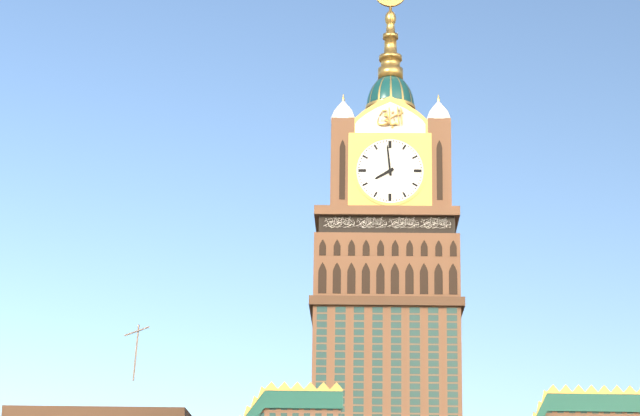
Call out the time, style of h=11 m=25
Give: h=7 m=59
